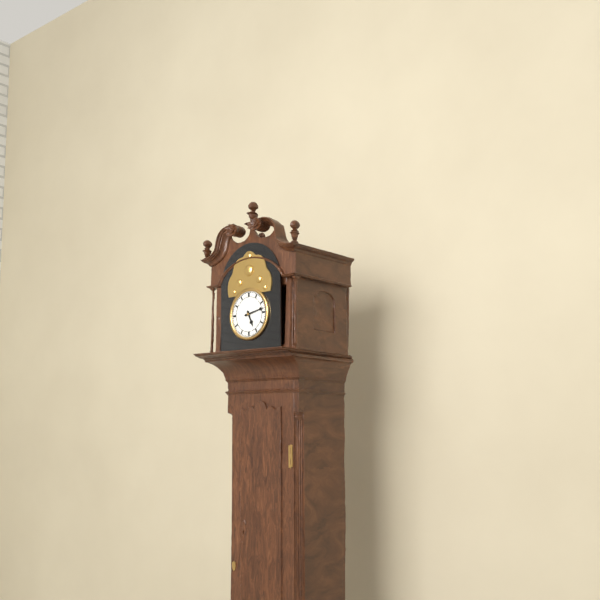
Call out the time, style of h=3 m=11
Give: h=5 m=13
